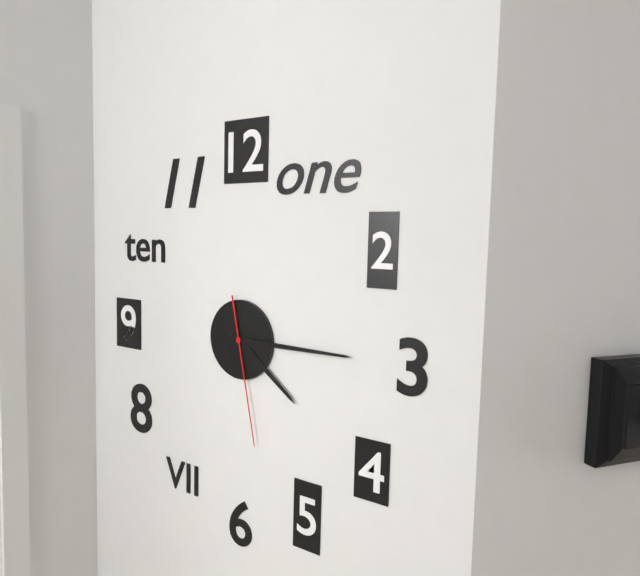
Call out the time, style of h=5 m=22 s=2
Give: h=4 m=15 s=28
